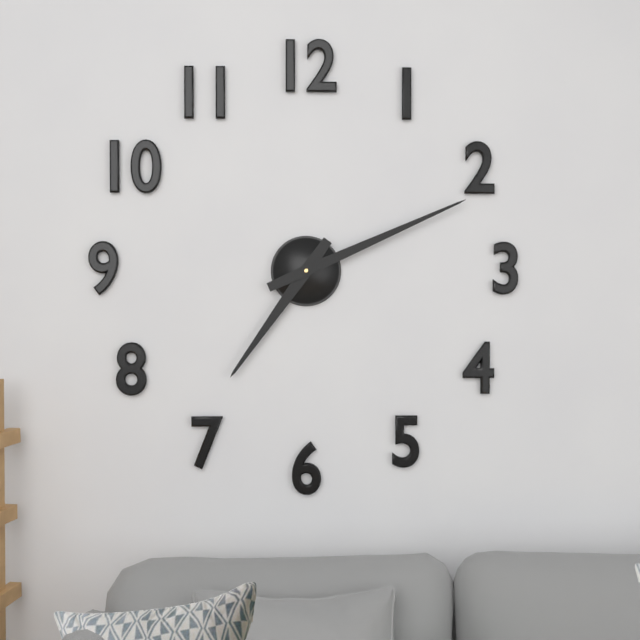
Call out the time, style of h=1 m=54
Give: h=7 m=11
